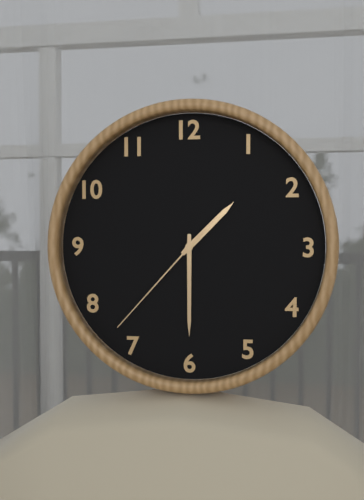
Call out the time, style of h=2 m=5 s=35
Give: h=1 m=30 s=37
